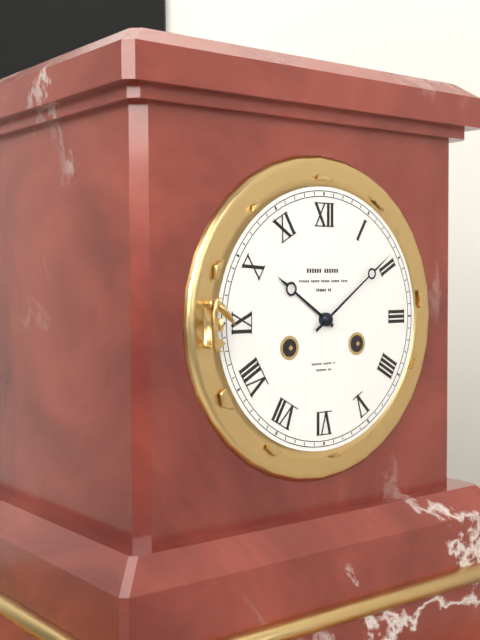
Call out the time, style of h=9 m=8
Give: h=10 m=9
